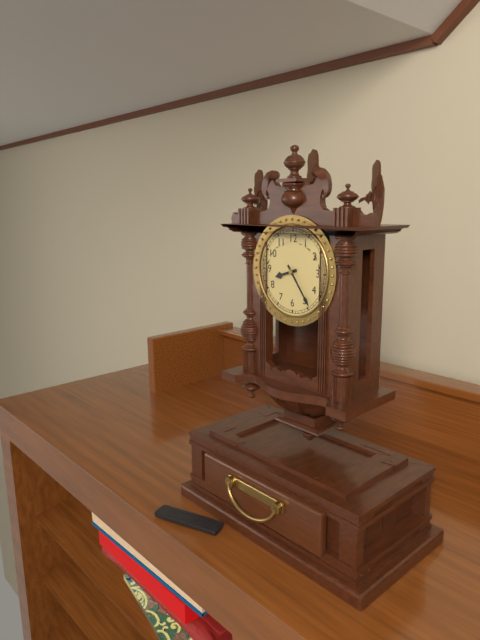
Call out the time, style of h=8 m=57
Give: h=8 m=24
